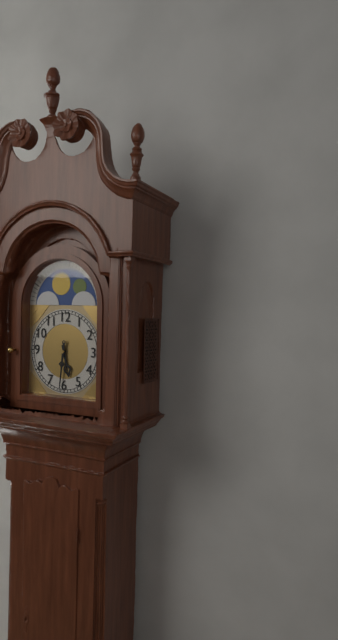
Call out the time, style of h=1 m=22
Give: h=5 m=31
